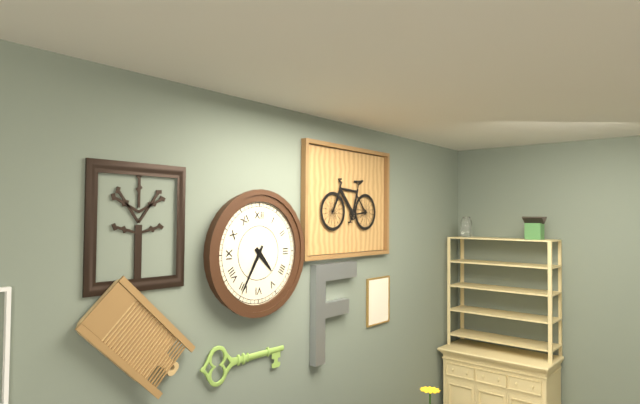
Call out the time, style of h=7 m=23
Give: h=4 m=35
